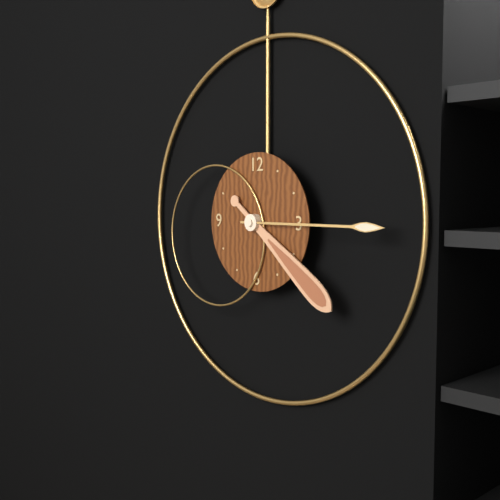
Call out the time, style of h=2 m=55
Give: h=4 m=15
